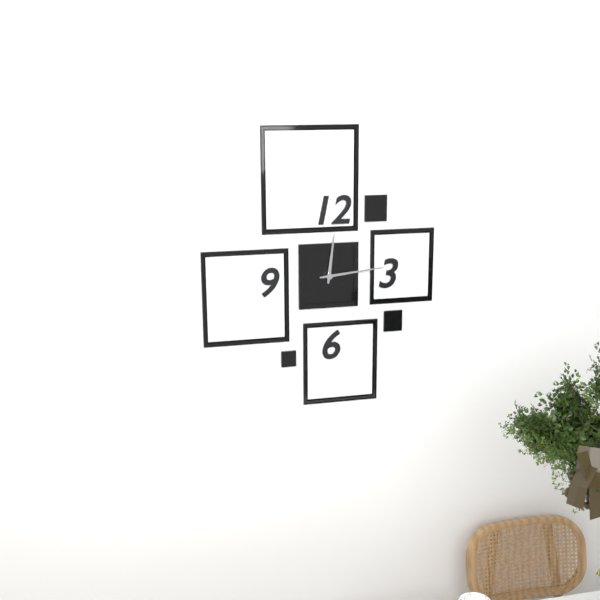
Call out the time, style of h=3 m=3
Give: h=12 m=14
